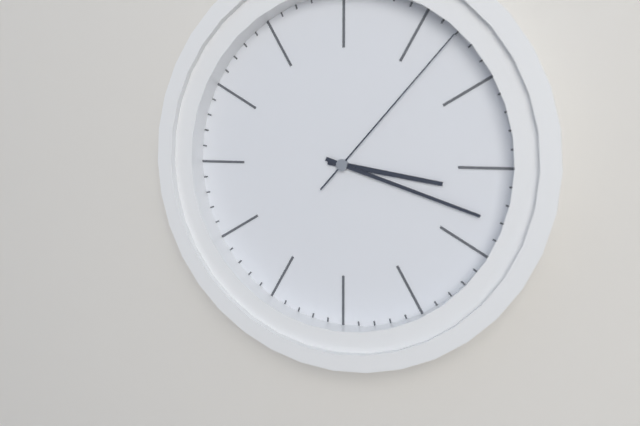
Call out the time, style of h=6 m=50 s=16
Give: h=3 m=18 s=7
